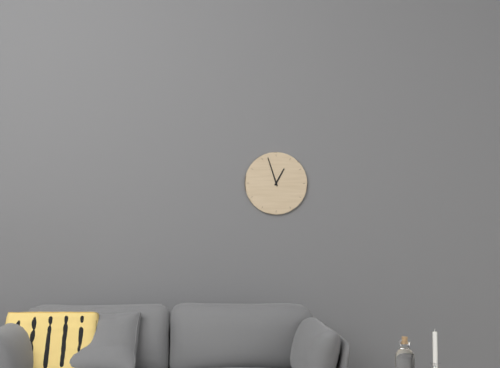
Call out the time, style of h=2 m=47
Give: h=12 m=57
